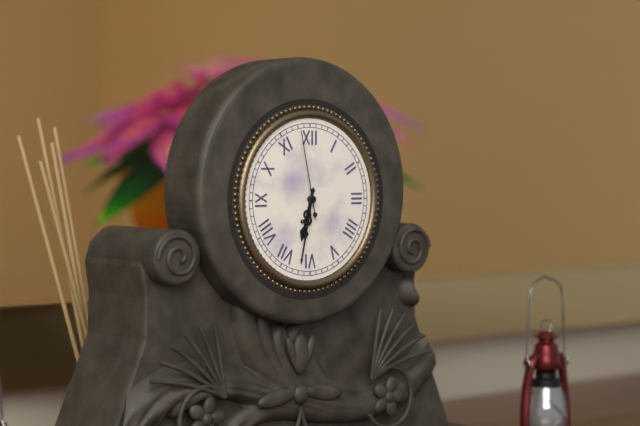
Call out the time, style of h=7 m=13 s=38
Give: h=6 m=32 s=58
